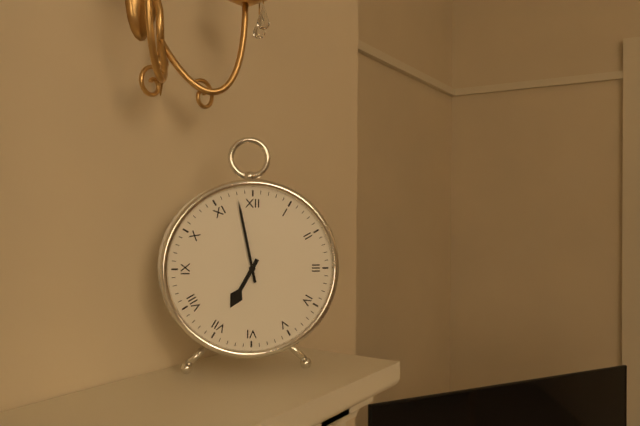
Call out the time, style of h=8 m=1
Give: h=6 m=58
